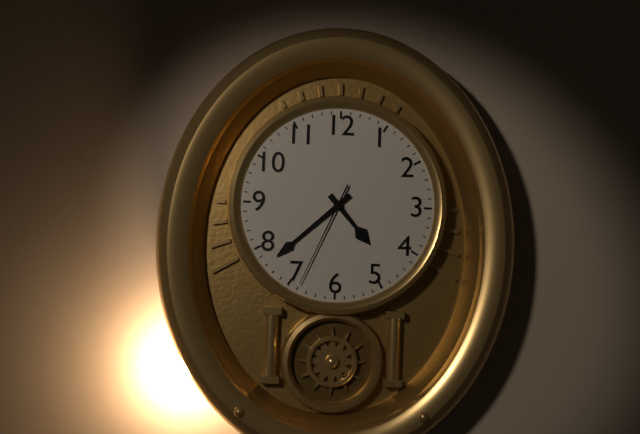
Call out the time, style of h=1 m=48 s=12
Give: h=4 m=38 s=34
